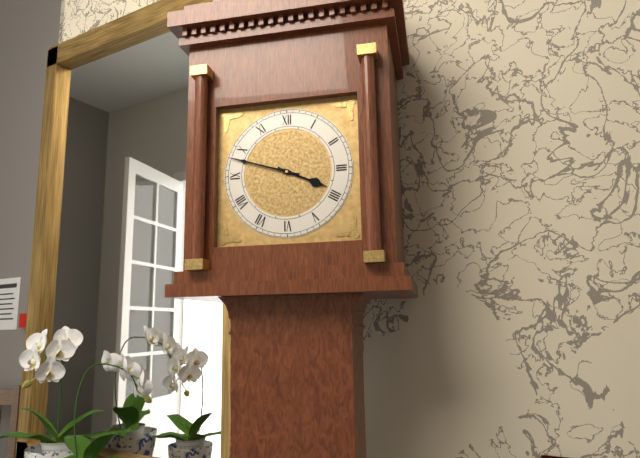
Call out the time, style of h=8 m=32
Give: h=3 m=48
